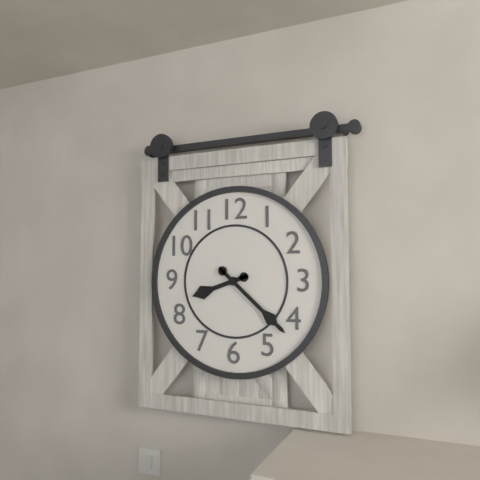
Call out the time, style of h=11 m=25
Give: h=8 m=22
